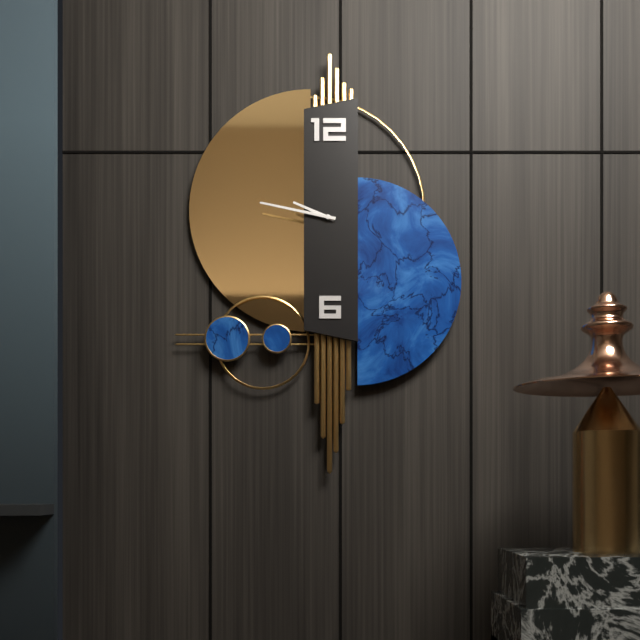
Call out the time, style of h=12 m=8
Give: h=9 m=47
